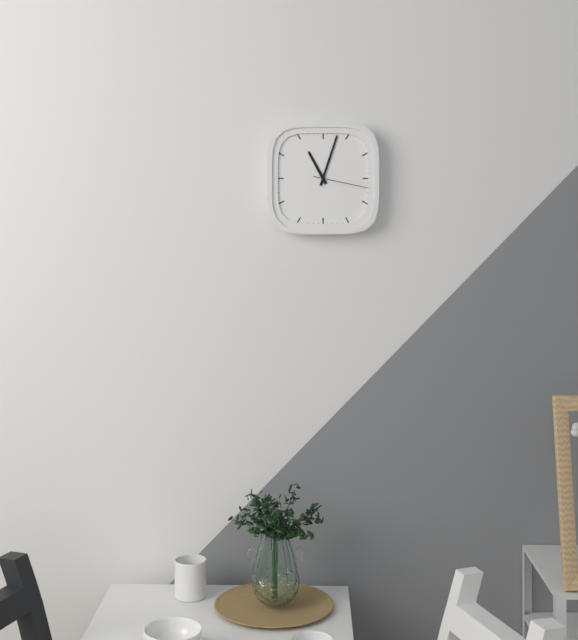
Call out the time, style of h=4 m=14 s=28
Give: h=11 m=3 s=17
